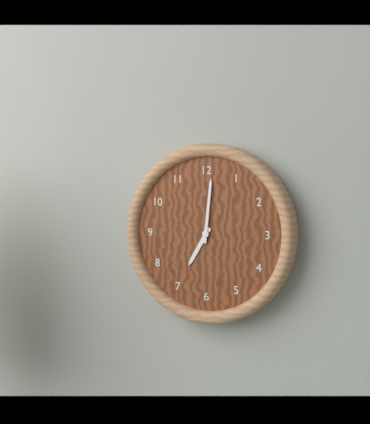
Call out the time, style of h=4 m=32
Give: h=7 m=1
